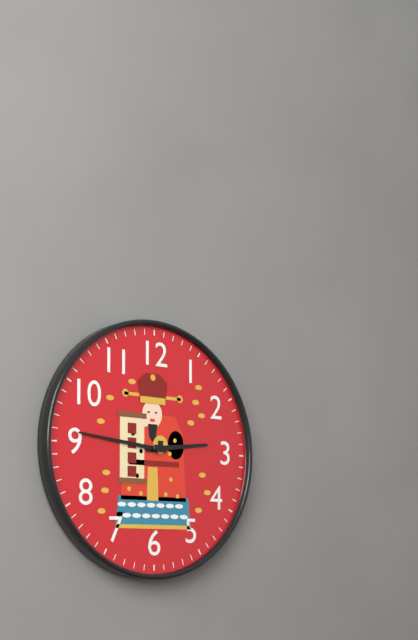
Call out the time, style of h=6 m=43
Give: h=2 m=46
